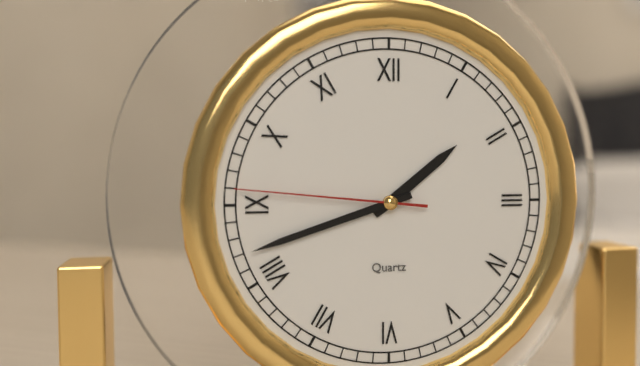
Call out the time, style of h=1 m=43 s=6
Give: h=1 m=42 s=46
